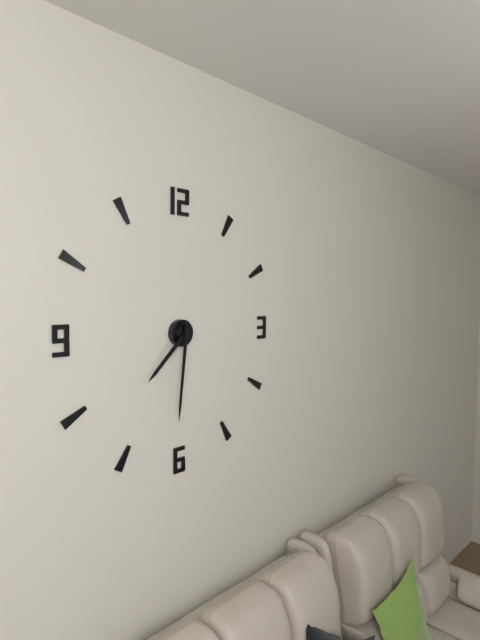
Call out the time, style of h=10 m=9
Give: h=7 m=31
